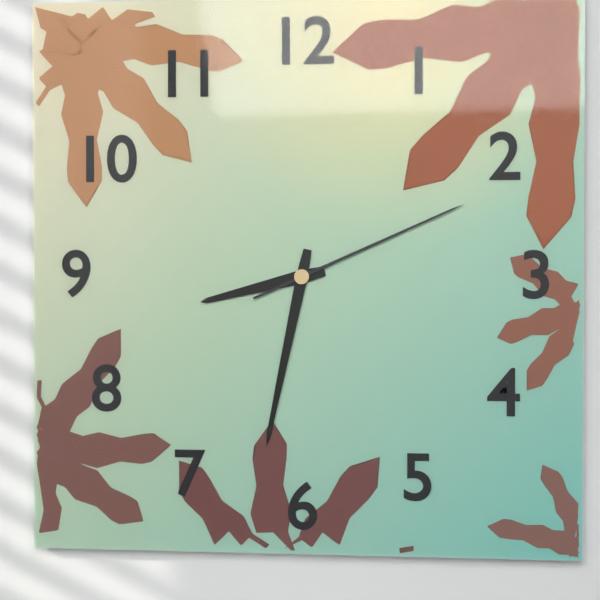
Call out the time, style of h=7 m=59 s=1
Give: h=8 m=32 s=11
